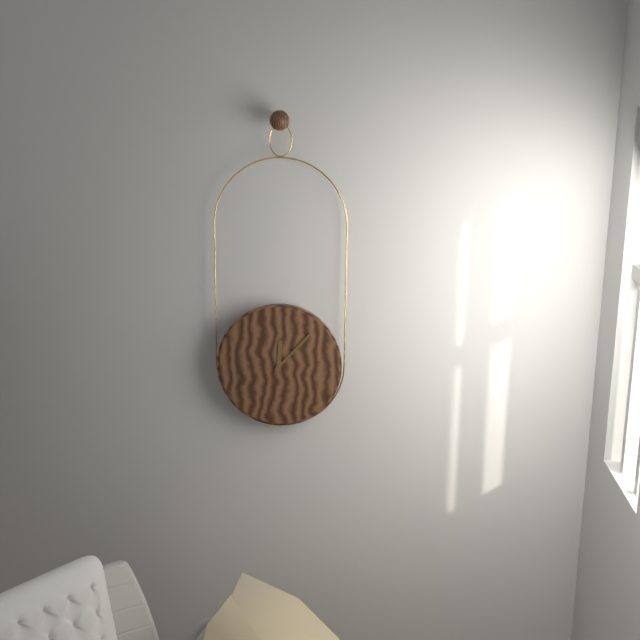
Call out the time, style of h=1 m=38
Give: h=12 m=7
